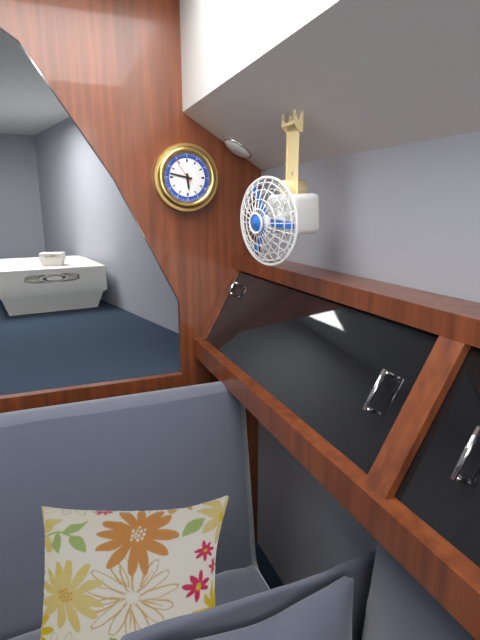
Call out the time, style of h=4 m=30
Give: h=5 m=47
